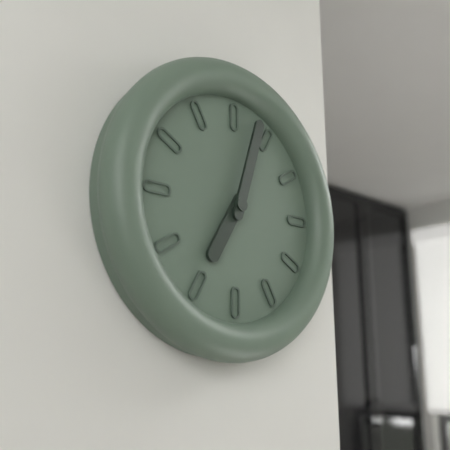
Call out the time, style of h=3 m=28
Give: h=7 m=3
